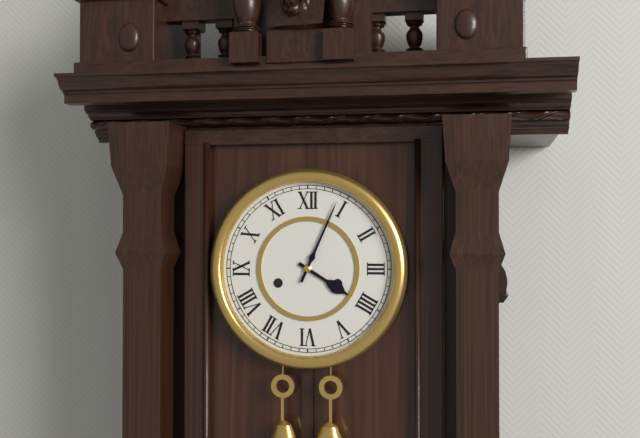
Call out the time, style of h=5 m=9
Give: h=4 m=4
